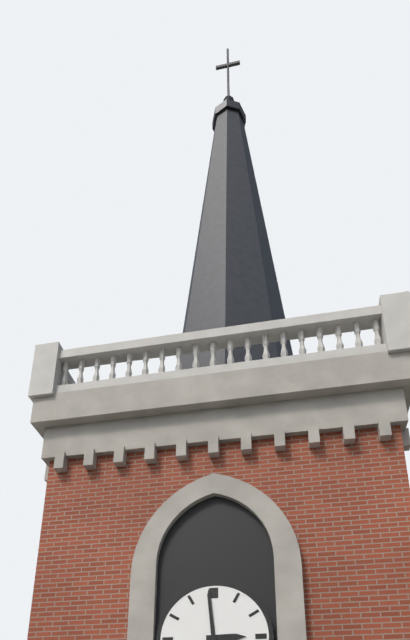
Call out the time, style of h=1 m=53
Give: h=2 m=59
